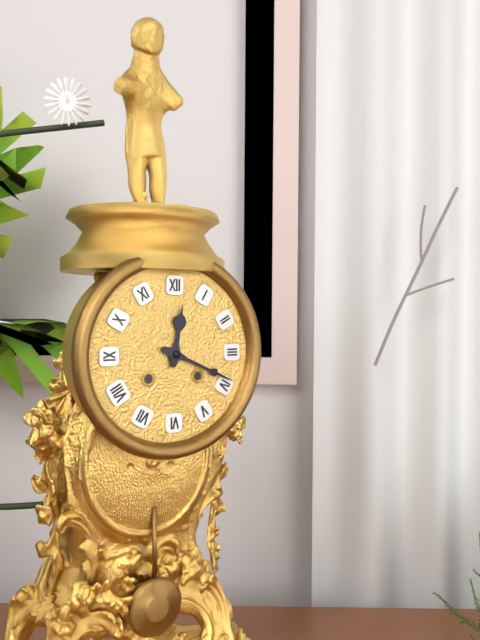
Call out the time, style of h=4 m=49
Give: h=12 m=19
